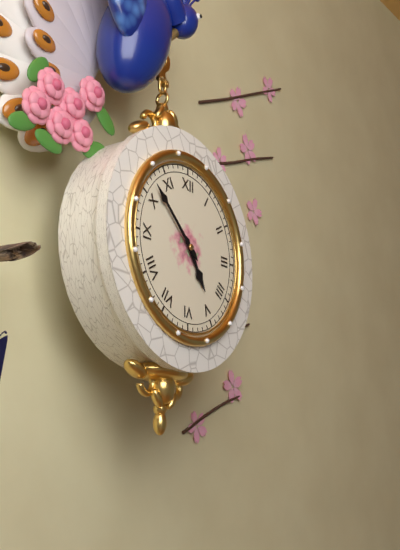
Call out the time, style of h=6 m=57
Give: h=4 m=52
